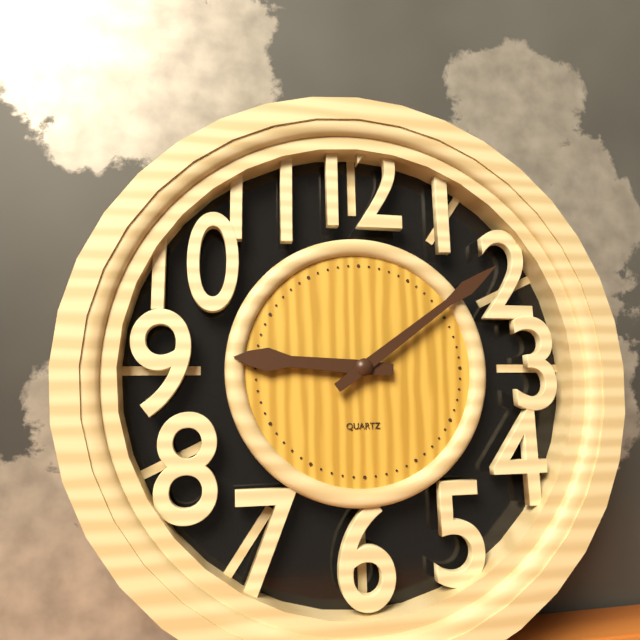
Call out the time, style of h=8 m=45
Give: h=9 m=9
